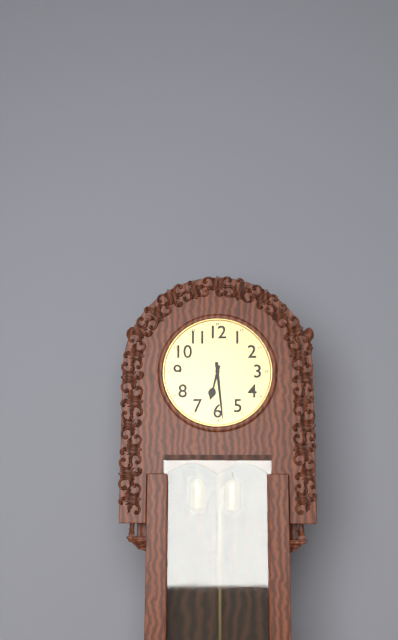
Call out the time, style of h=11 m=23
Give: h=6 m=29
